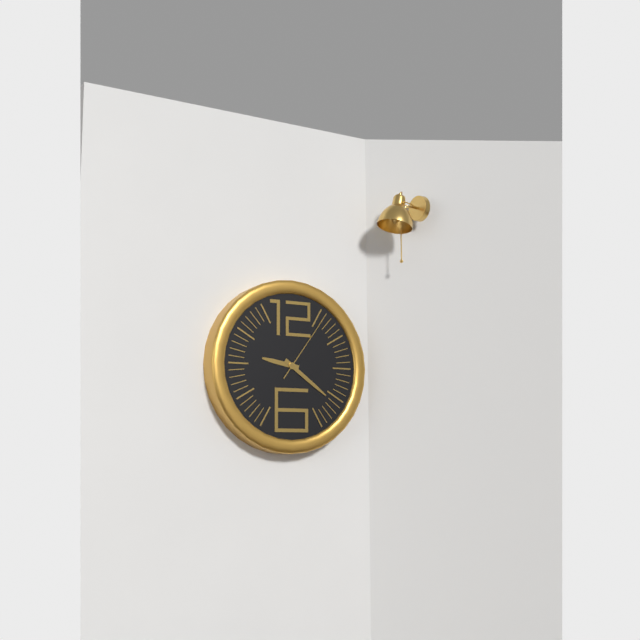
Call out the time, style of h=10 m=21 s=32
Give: h=9 m=21 s=6
